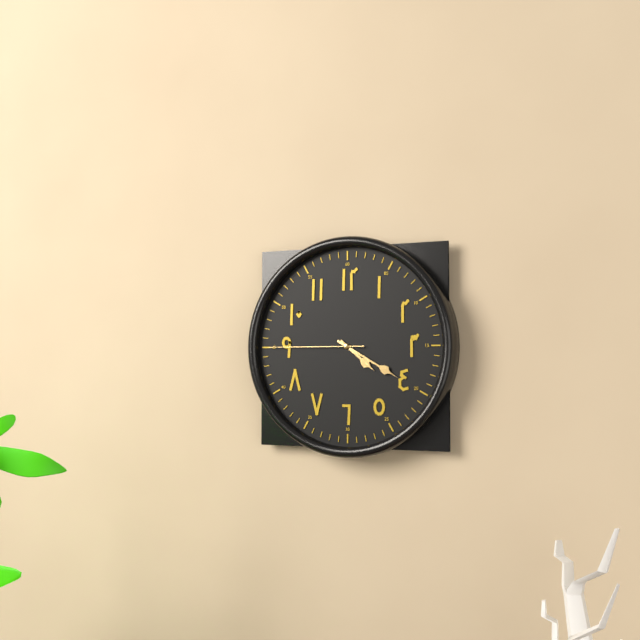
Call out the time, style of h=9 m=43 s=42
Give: h=4 m=20 s=45
